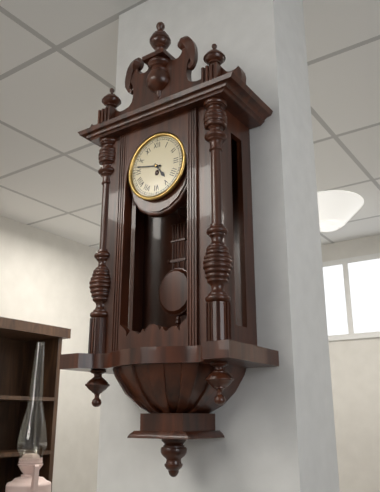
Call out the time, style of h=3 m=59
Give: h=4 m=47
